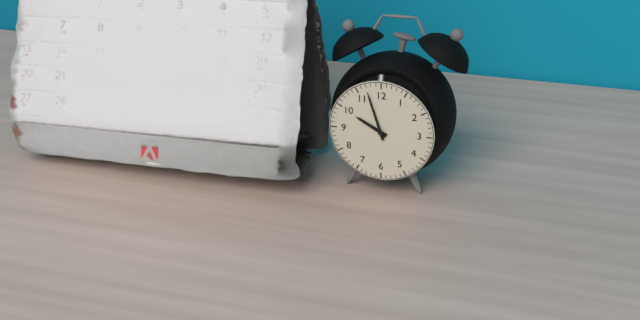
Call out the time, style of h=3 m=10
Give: h=9 m=57
